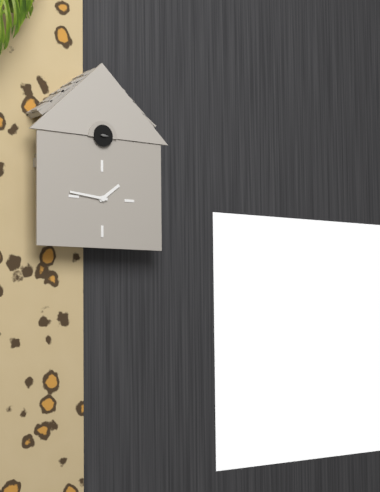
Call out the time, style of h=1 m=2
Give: h=1 m=46
